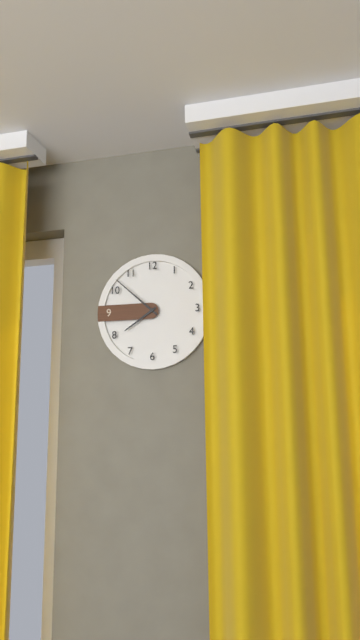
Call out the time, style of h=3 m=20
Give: h=7 m=52
